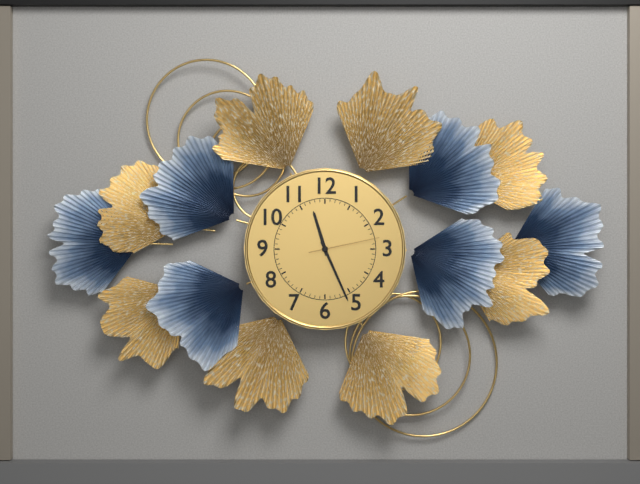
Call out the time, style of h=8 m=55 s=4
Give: h=11 m=26 s=13
